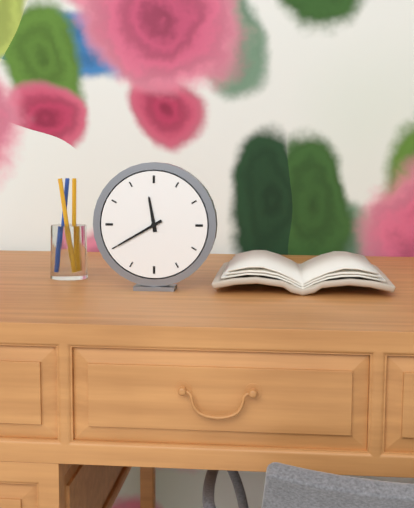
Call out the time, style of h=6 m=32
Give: h=11 m=40
